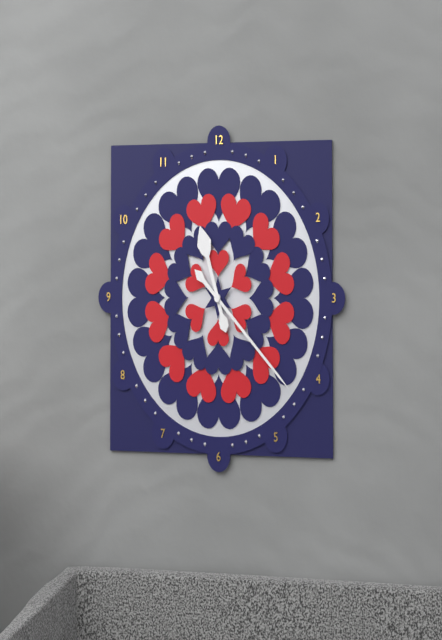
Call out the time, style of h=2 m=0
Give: h=11 m=22
